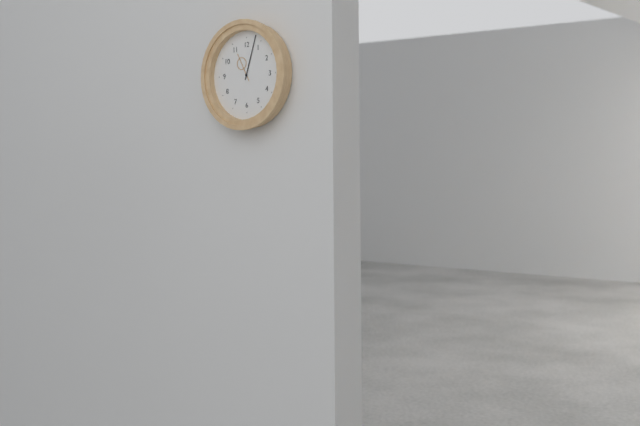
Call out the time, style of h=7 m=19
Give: h=11 m=3
